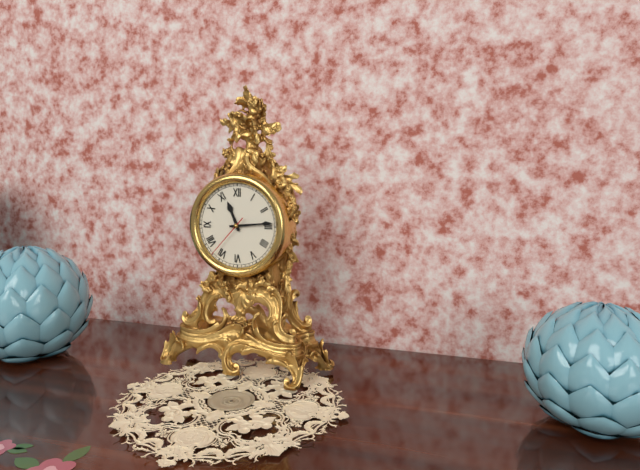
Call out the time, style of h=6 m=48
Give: h=11 m=14
